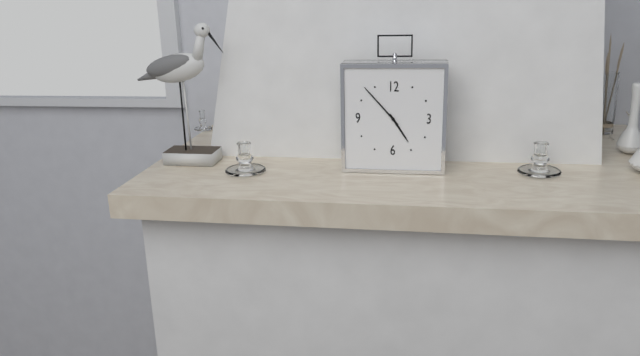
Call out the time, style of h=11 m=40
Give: h=4 m=53
